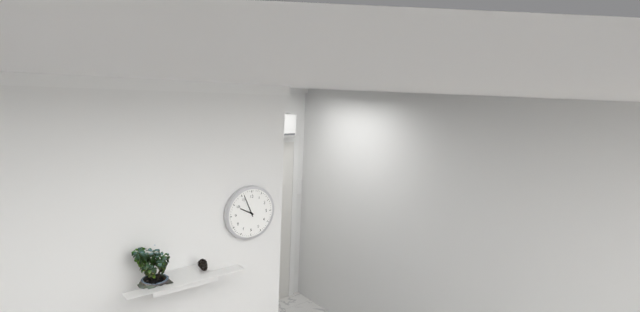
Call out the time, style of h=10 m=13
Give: h=9 m=56
